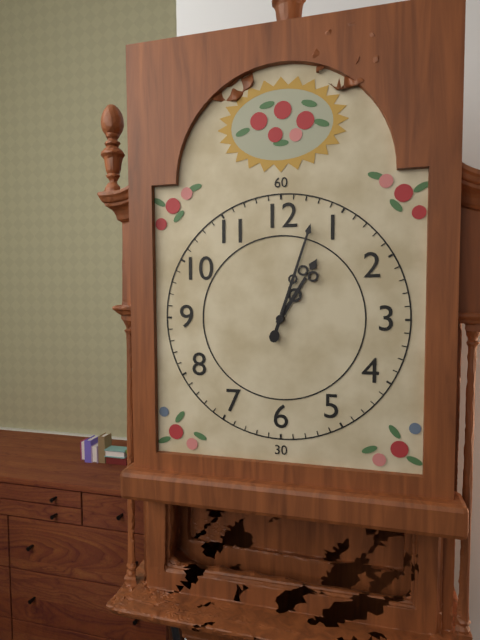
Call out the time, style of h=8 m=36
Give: h=1 m=3
